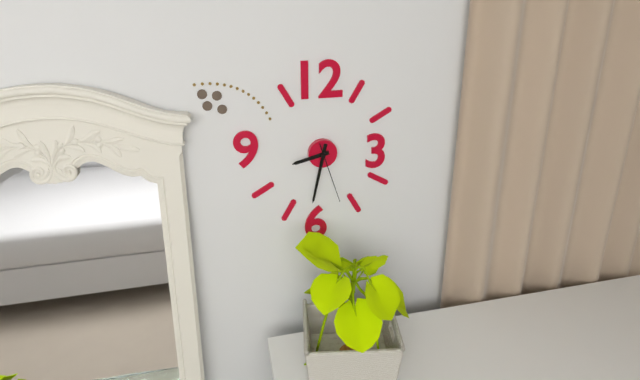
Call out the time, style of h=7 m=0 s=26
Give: h=8 m=32 s=27
